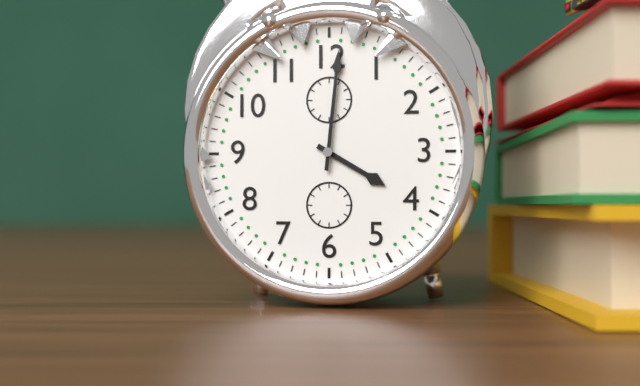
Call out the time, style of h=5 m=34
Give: h=4 m=1
